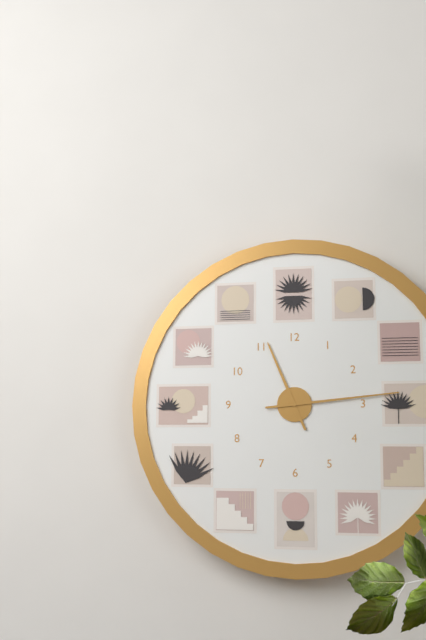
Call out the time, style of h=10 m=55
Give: h=11 m=14
